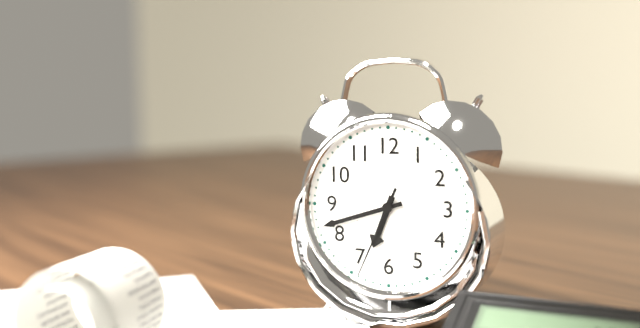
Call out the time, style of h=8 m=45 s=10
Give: h=6 m=42 s=34
